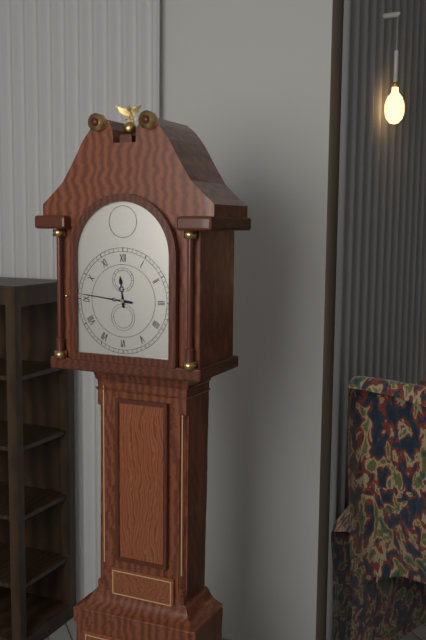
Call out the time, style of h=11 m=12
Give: h=11 m=46
